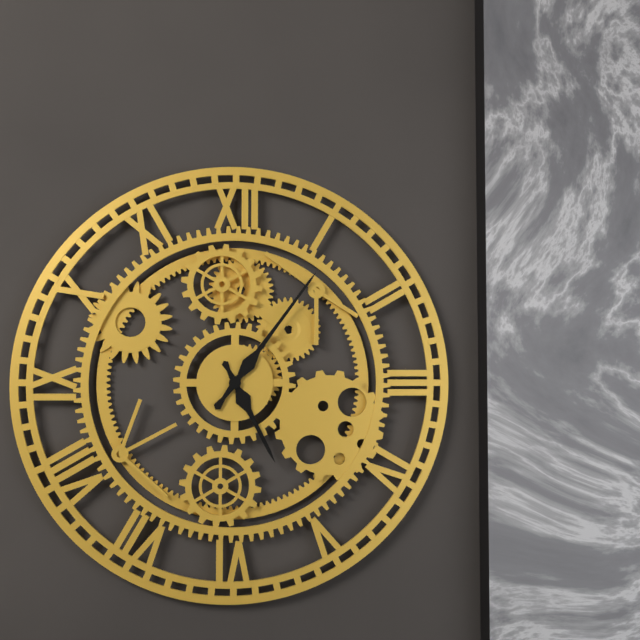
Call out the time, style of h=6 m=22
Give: h=5 m=6
